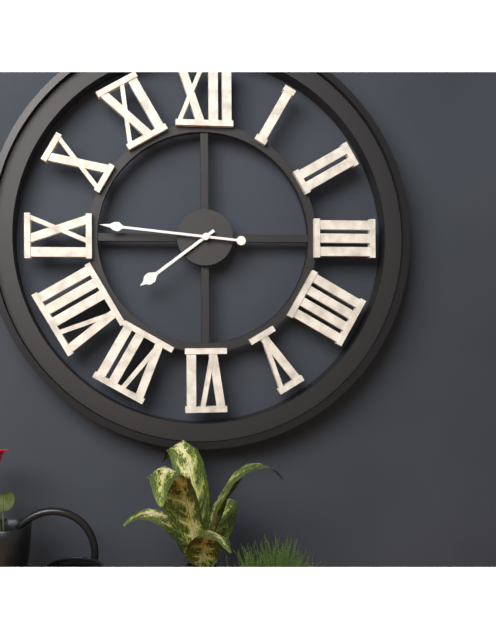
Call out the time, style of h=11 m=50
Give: h=7 m=46
